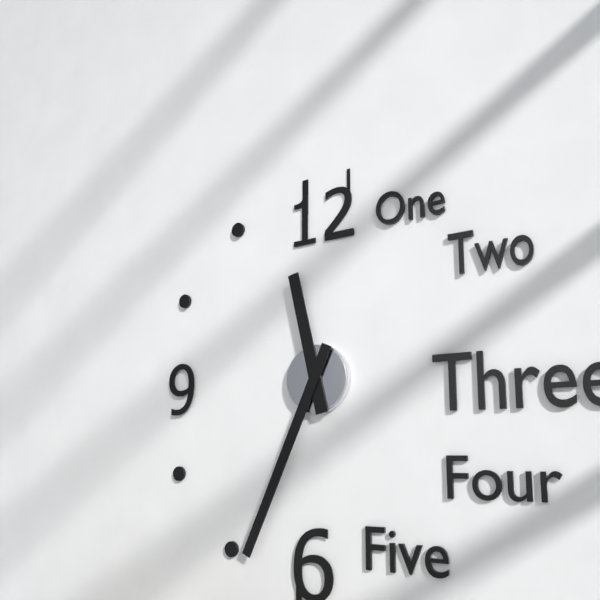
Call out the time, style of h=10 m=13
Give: h=11 m=34
